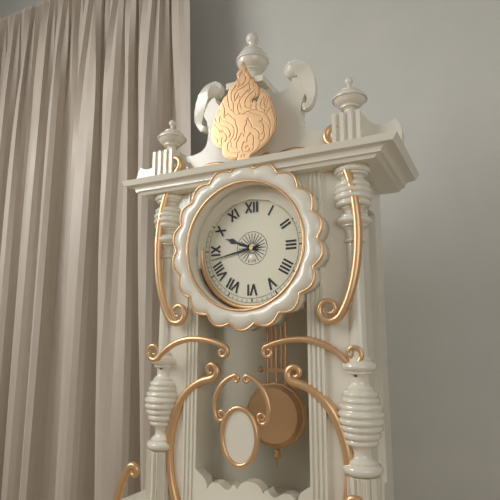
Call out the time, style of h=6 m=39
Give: h=9 m=43
